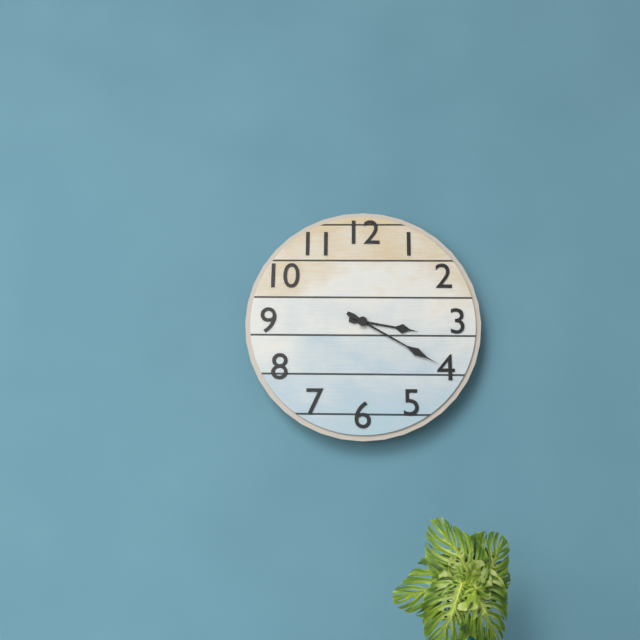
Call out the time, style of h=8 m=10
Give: h=3 m=20
